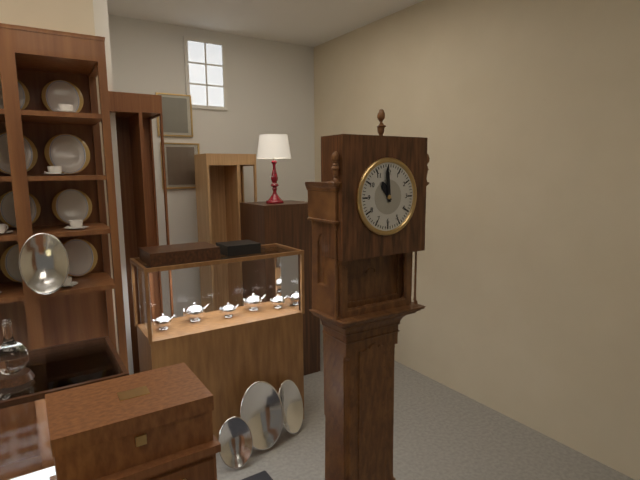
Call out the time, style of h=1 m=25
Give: h=10 m=59
